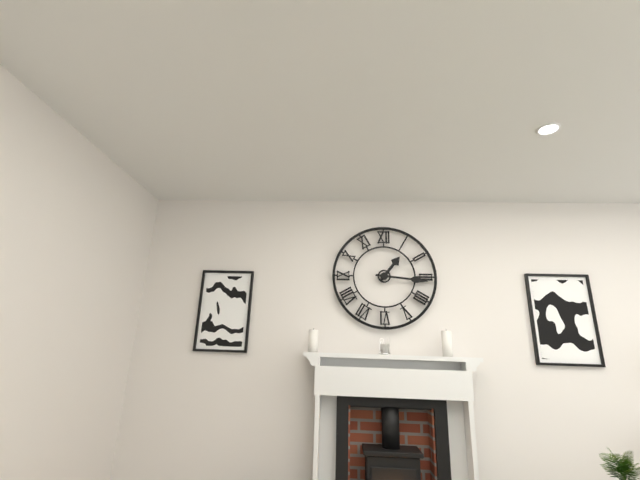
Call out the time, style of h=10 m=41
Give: h=1 m=16
